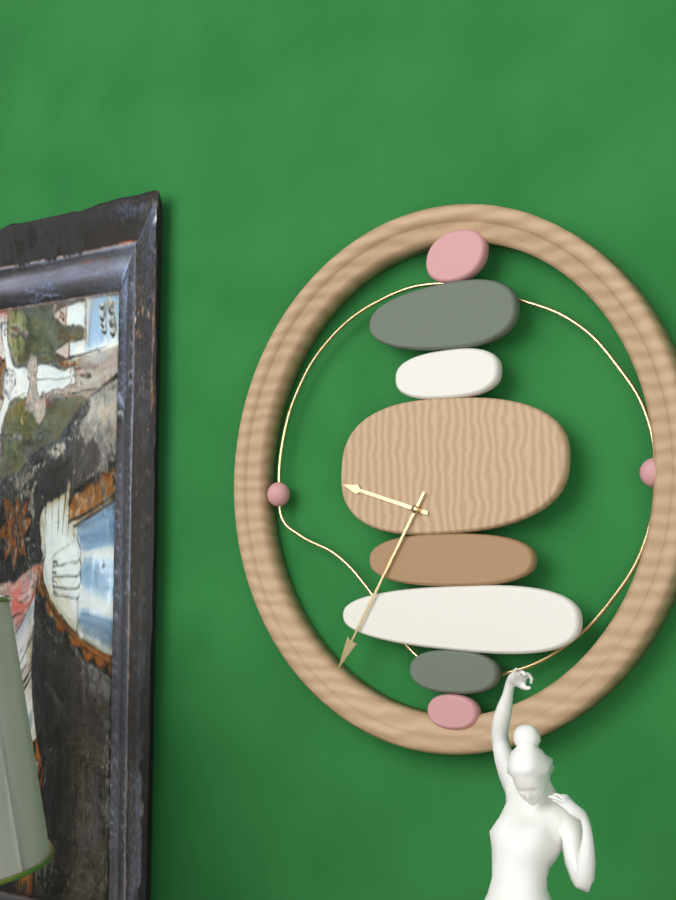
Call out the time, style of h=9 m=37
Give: h=9 m=35
